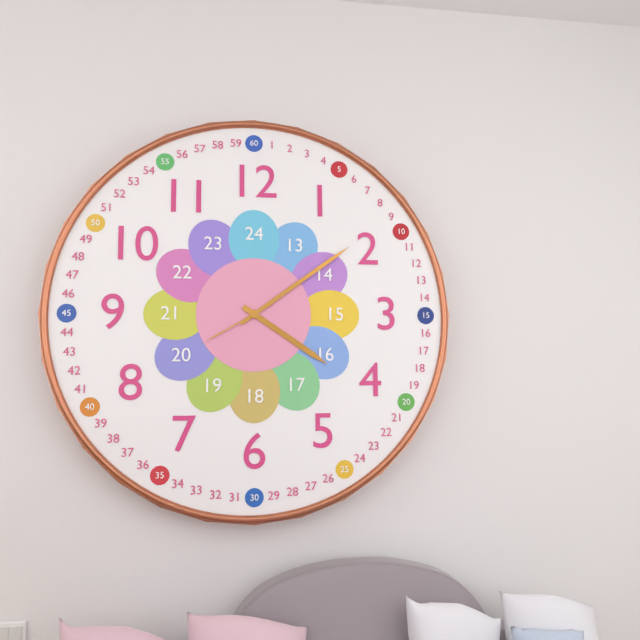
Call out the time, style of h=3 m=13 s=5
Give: h=4 m=9 s=40
